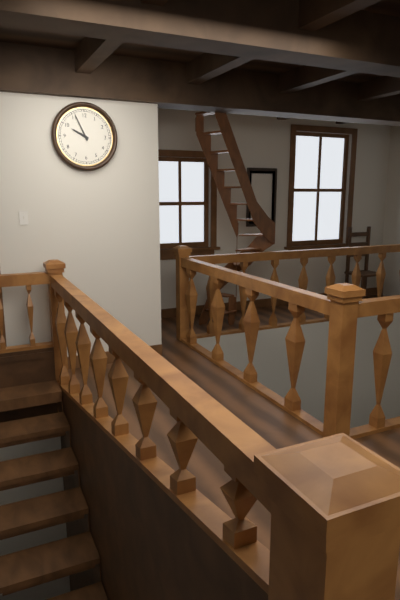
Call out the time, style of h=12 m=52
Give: h=9 m=56
